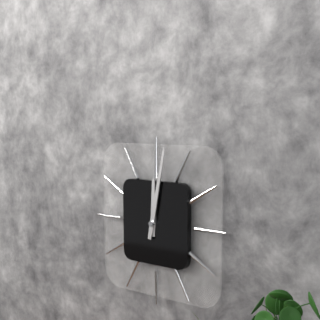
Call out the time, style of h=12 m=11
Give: h=12 m=2
